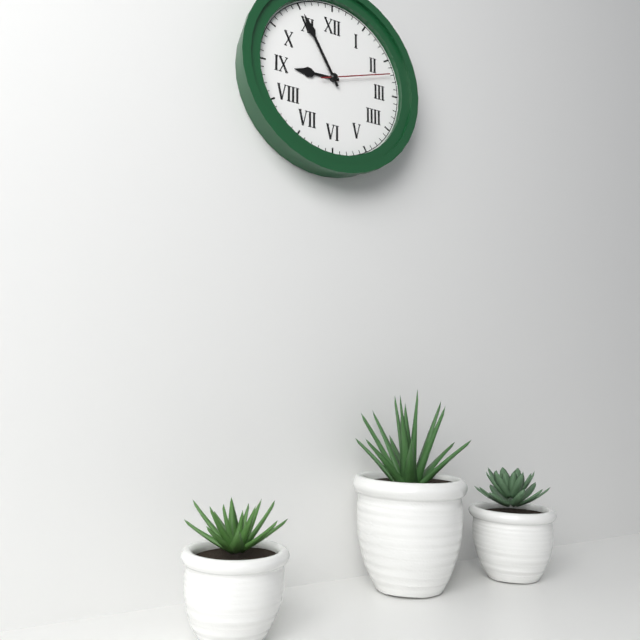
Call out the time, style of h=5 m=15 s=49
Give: h=8 m=55 s=12
